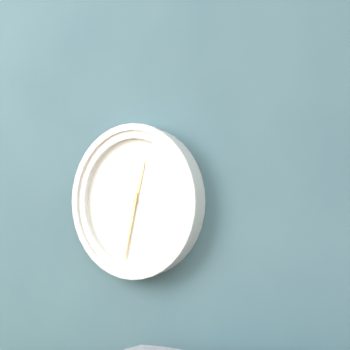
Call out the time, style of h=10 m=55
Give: h=12 m=32
